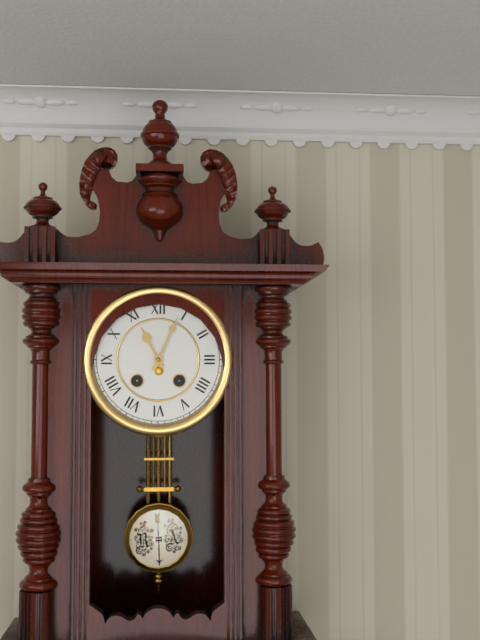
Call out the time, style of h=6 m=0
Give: h=11 m=4
